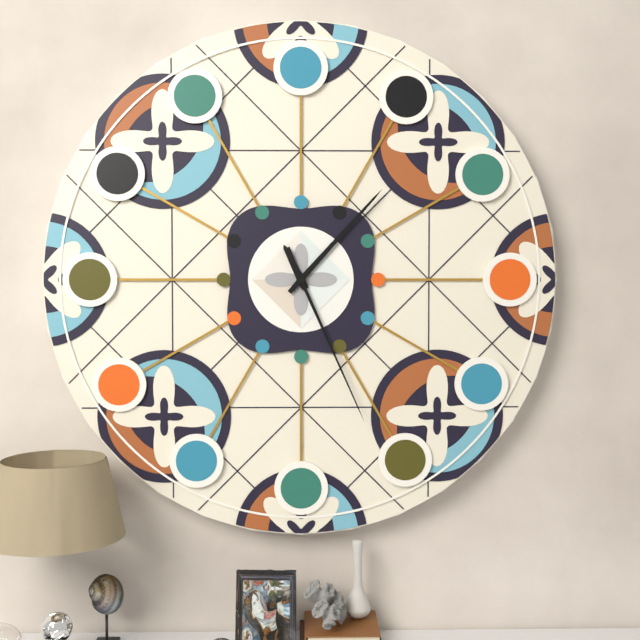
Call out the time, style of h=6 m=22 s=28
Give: h=11 m=7 s=26
